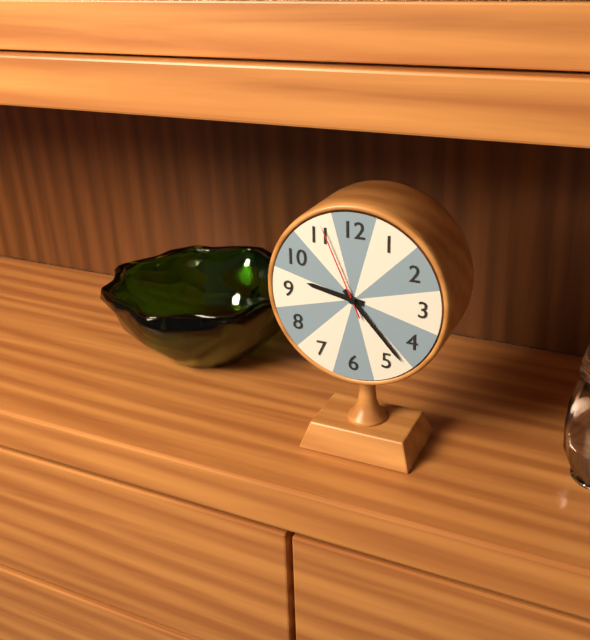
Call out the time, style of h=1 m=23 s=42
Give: h=9 m=23 s=56
